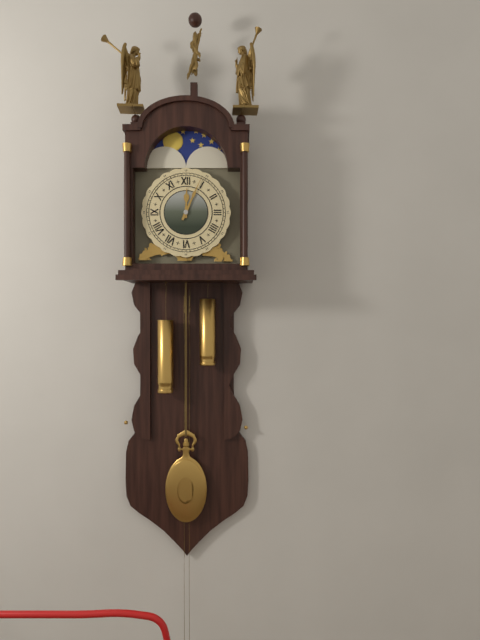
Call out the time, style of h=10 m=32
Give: h=12 m=4
